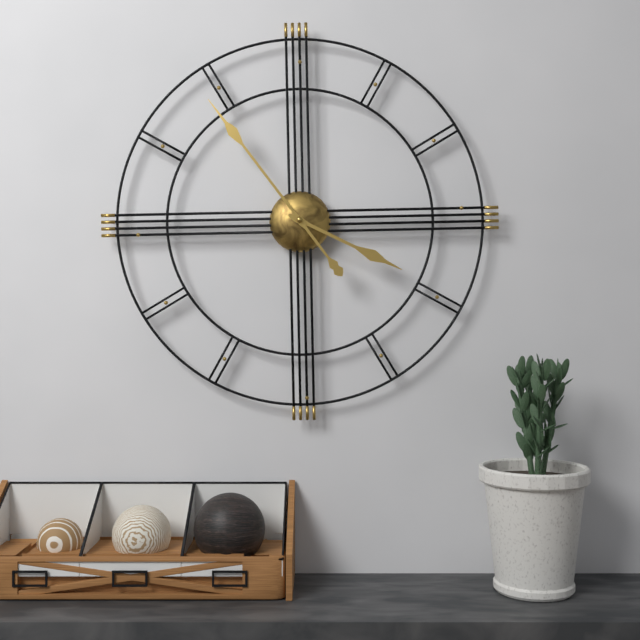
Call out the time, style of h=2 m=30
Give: h=3 m=54
